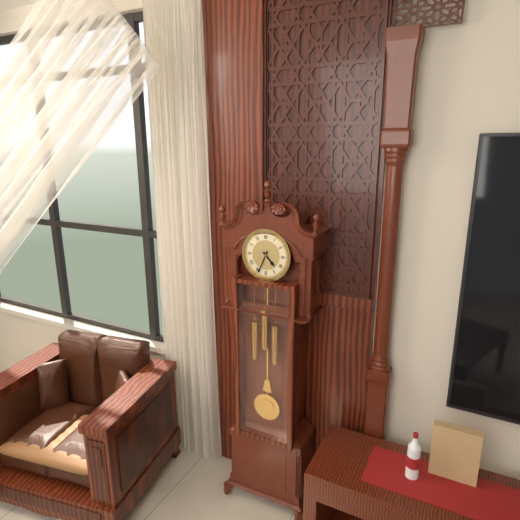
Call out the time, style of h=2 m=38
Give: h=4 m=34
